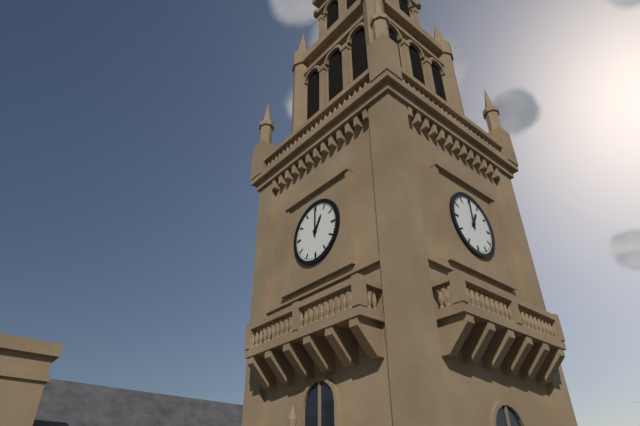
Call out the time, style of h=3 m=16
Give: h=1 m=0
